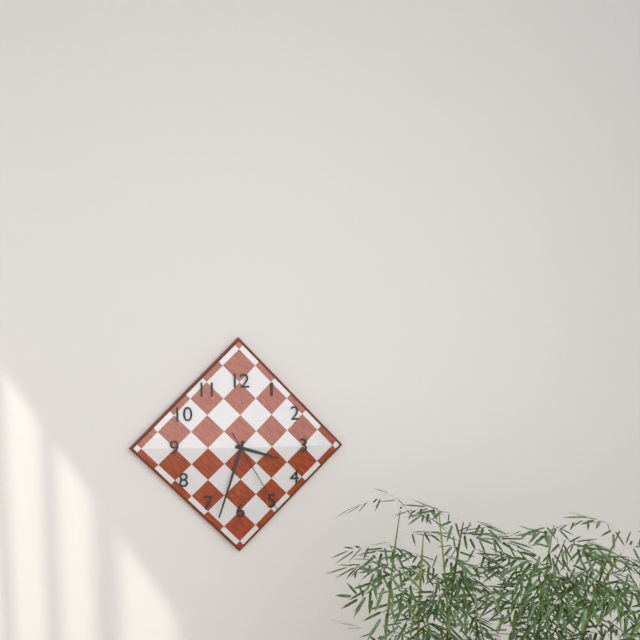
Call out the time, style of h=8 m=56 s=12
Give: h=3 m=33 s=25
